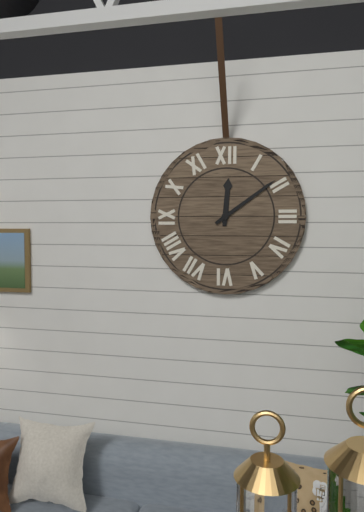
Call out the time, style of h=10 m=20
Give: h=12 m=9
